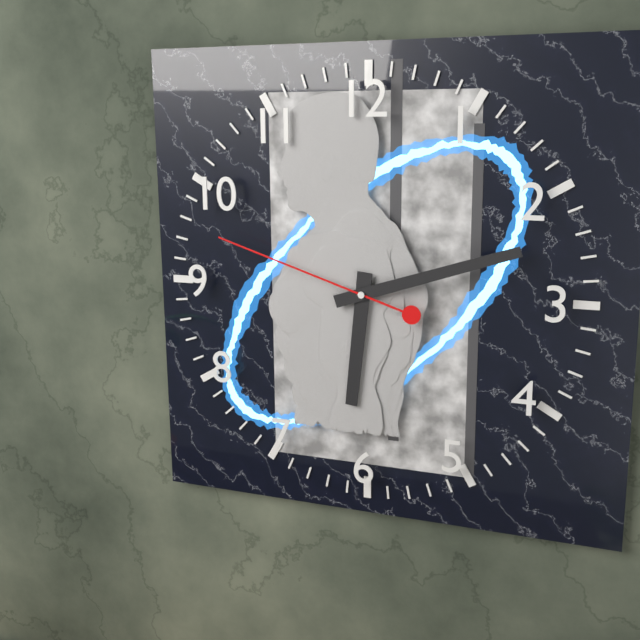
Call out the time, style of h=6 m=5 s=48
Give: h=6 m=12 s=48
